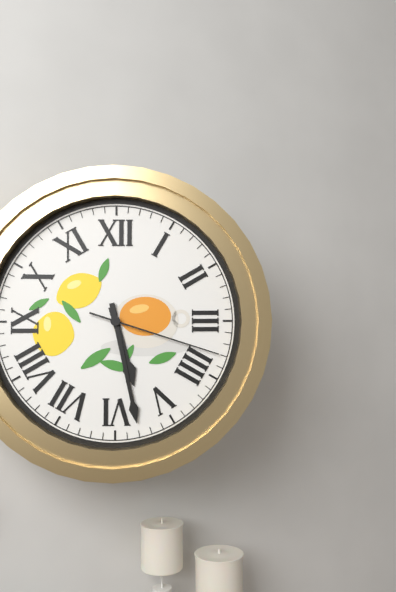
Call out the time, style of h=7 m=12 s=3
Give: h=5 m=28 s=18
